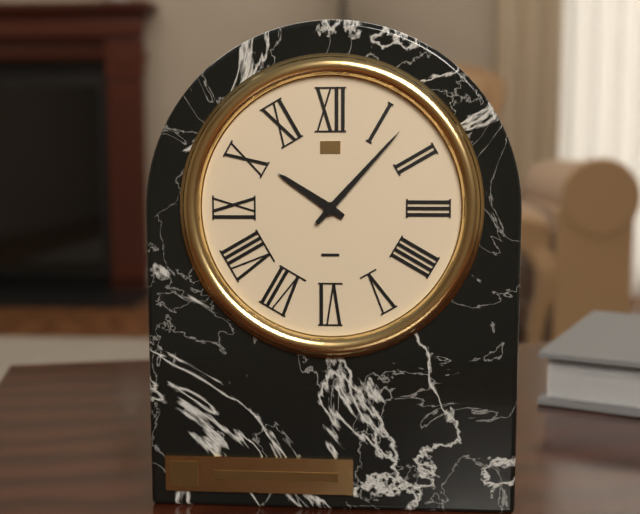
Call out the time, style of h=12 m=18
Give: h=10 m=7
